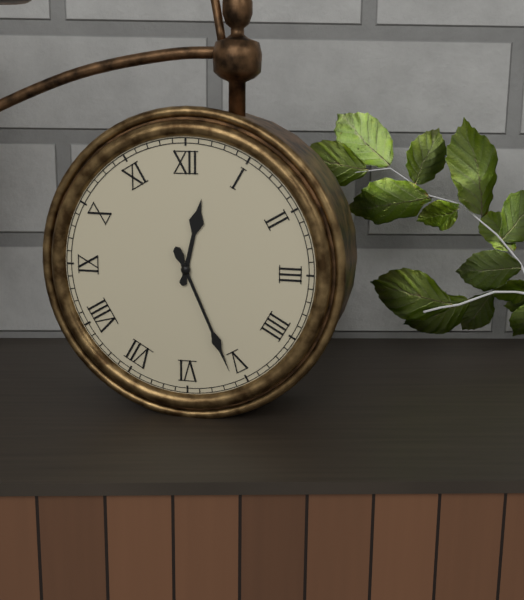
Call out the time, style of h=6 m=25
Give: h=12 m=26
